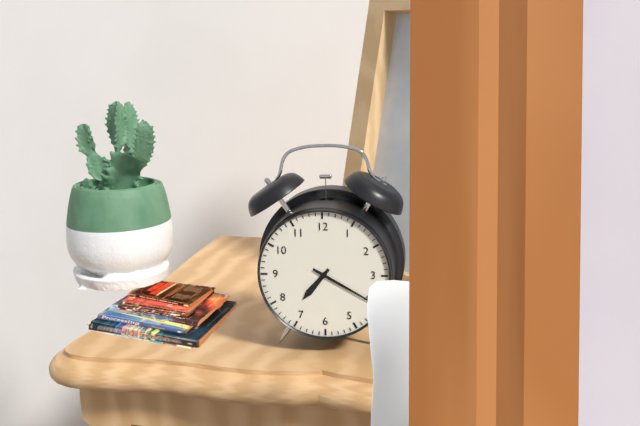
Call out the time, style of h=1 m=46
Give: h=7 m=20
